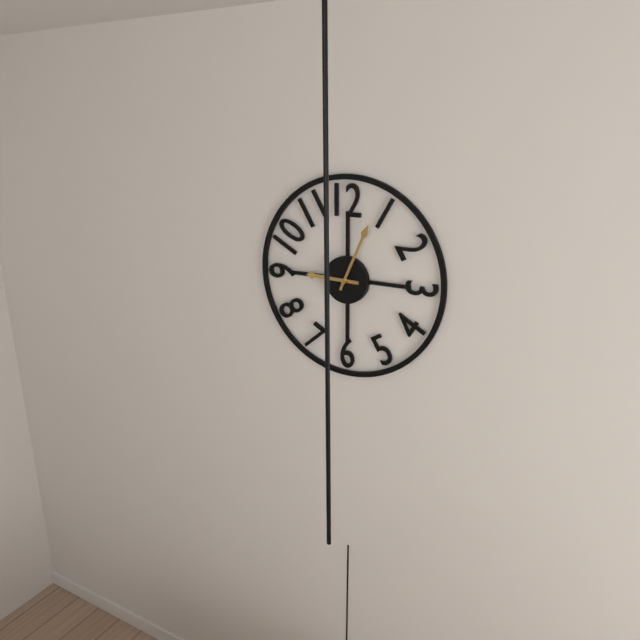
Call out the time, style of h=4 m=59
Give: h=9 m=4
